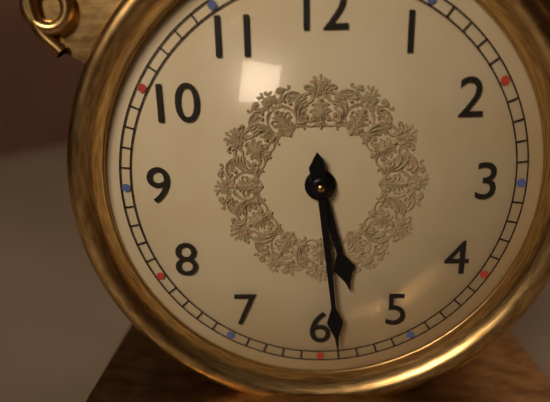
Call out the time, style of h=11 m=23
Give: h=5 m=29
